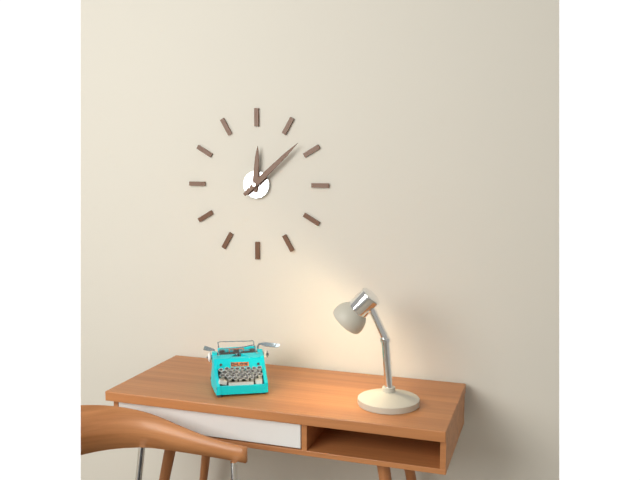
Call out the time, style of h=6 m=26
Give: h=12 m=8
